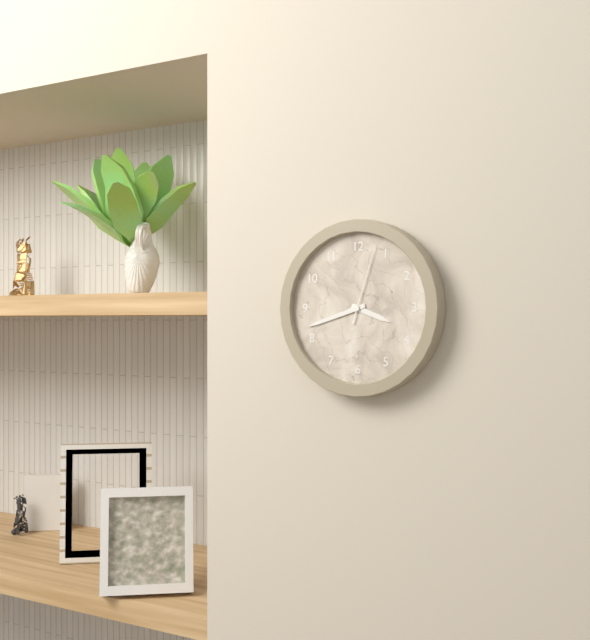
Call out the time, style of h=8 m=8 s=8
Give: h=3 m=42 s=3
